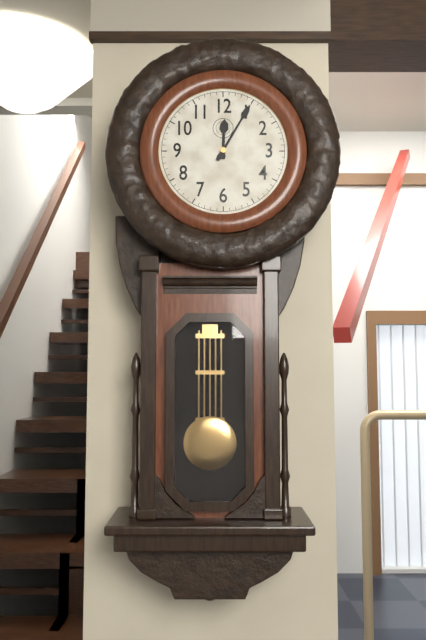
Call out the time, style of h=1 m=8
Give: h=12 m=5
